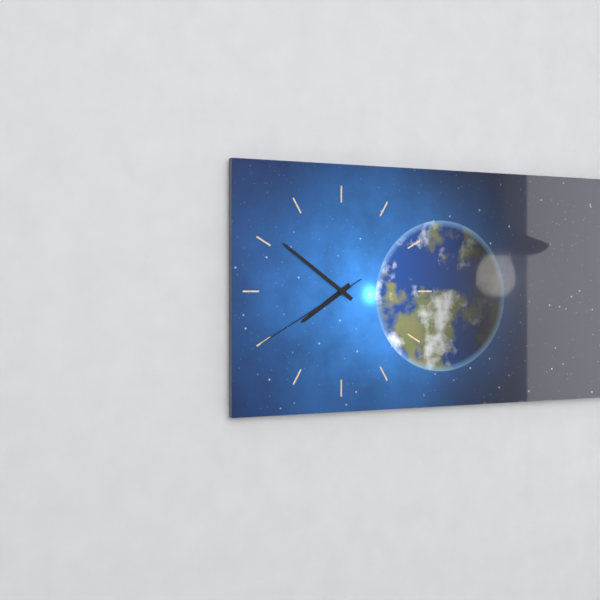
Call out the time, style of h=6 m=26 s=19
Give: h=7 m=51 s=40
